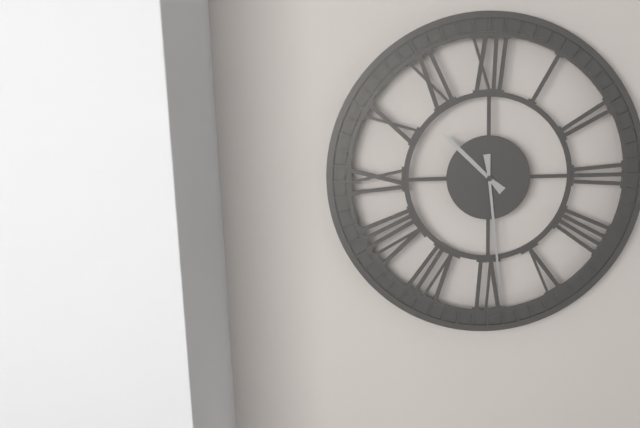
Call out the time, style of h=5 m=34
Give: h=10 m=29
